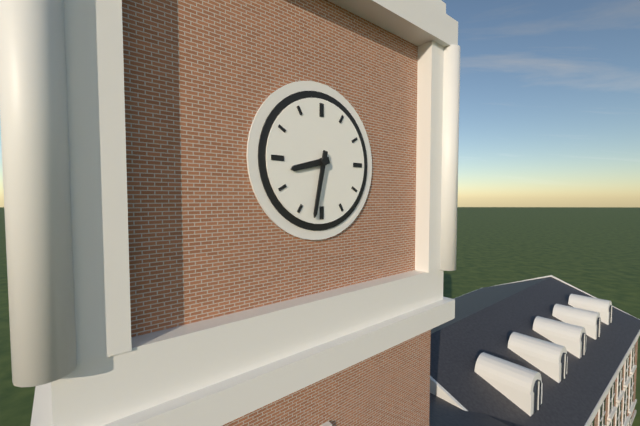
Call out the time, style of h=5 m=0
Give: h=8 m=32
